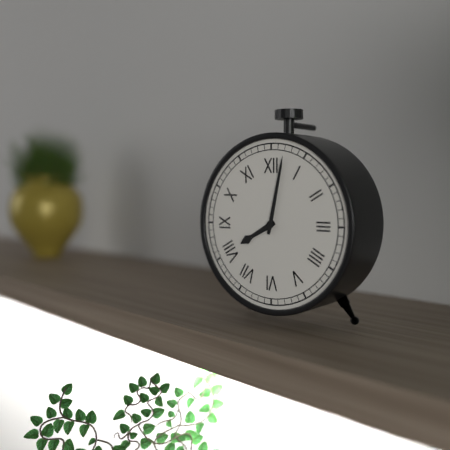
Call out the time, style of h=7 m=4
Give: h=8 m=2
